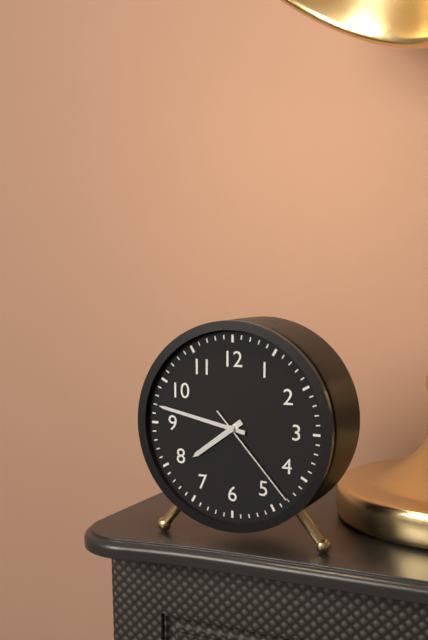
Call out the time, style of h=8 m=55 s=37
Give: h=7 m=47 s=23
